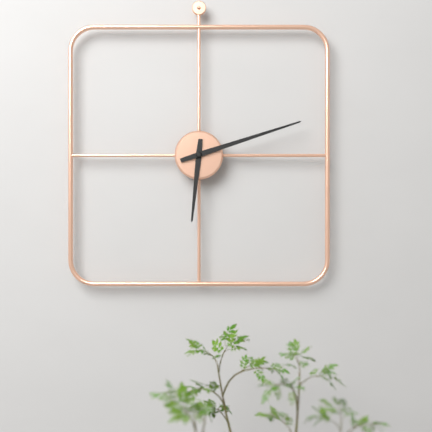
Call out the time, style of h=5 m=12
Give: h=6 m=12
